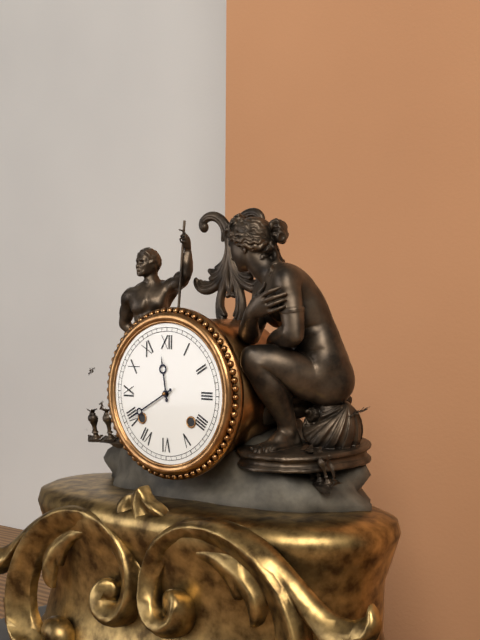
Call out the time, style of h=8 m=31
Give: h=11 m=40
